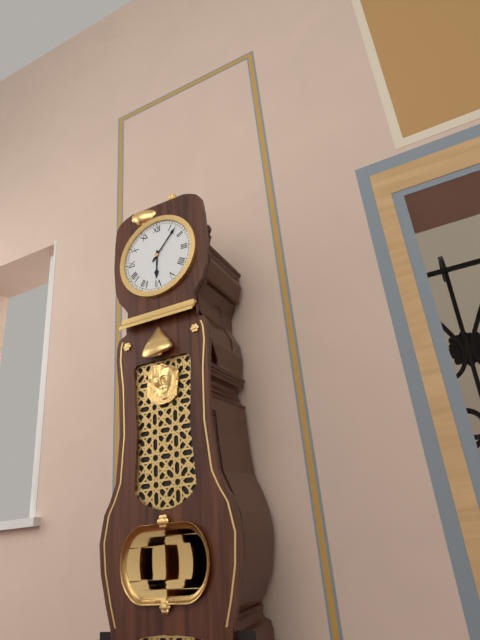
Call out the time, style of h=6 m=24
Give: h=6 m=7
